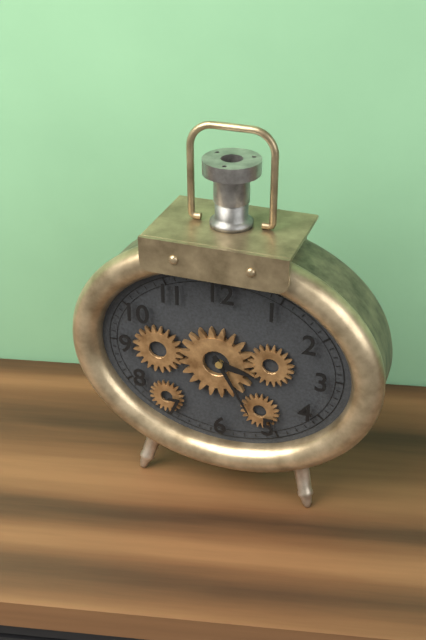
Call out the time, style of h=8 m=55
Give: h=3 m=25
